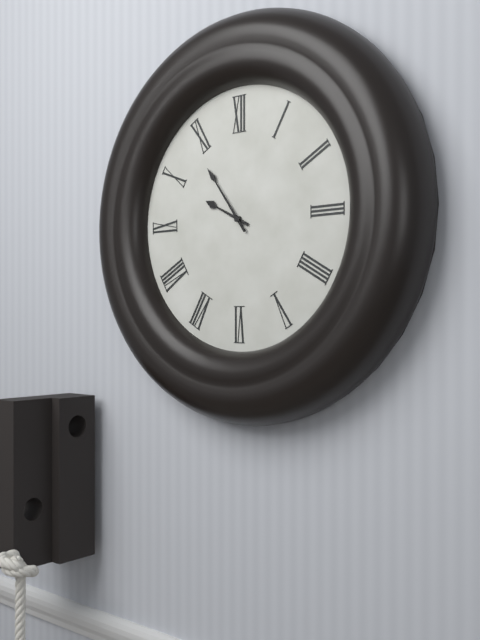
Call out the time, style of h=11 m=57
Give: h=9 m=54
